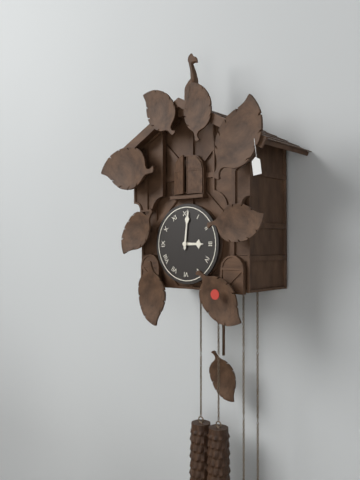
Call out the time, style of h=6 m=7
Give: h=3 m=1
